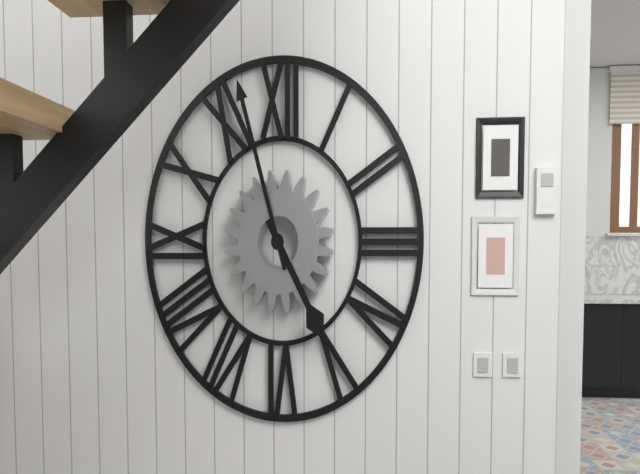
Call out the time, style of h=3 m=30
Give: h=4 m=57
